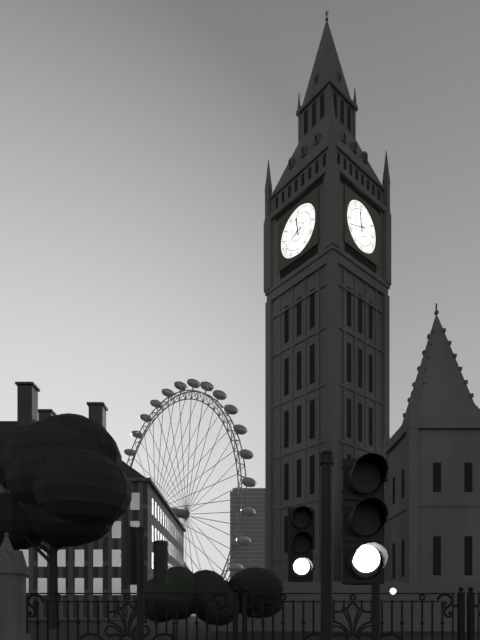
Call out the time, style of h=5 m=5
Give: h=11 m=42
